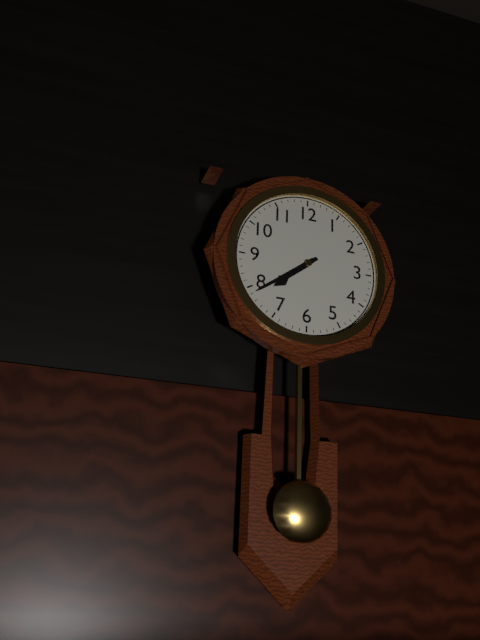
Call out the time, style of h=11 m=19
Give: h=7 m=39
